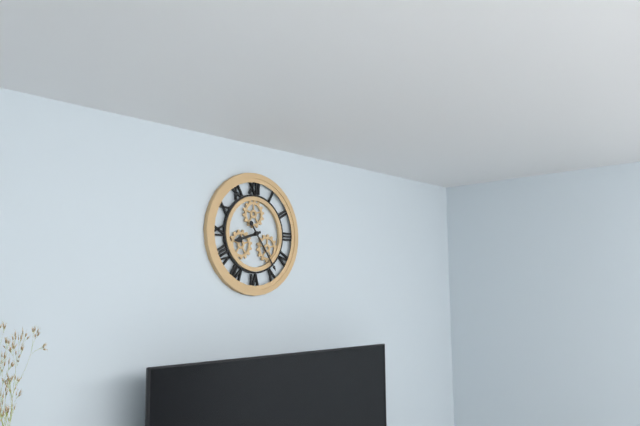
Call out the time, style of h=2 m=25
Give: h=8 m=24
